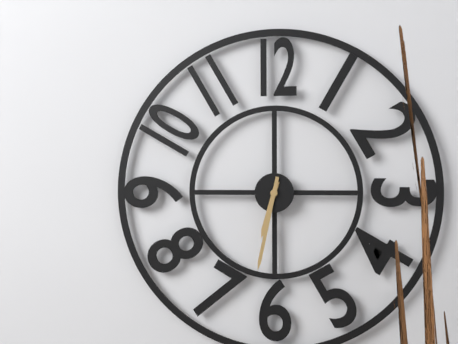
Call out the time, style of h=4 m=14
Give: h=6 m=32
